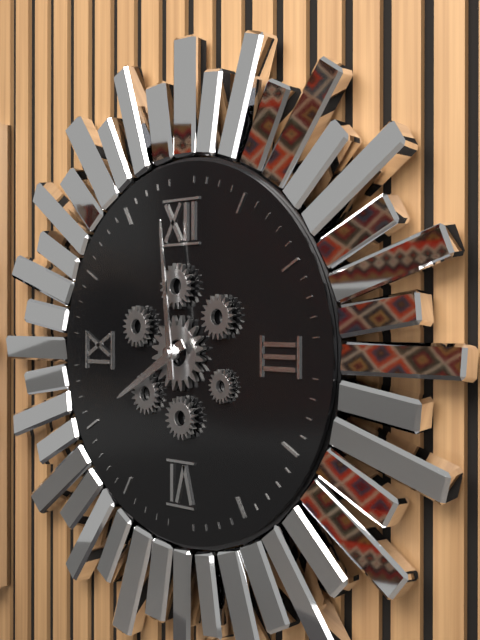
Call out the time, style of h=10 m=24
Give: h=7 m=59
